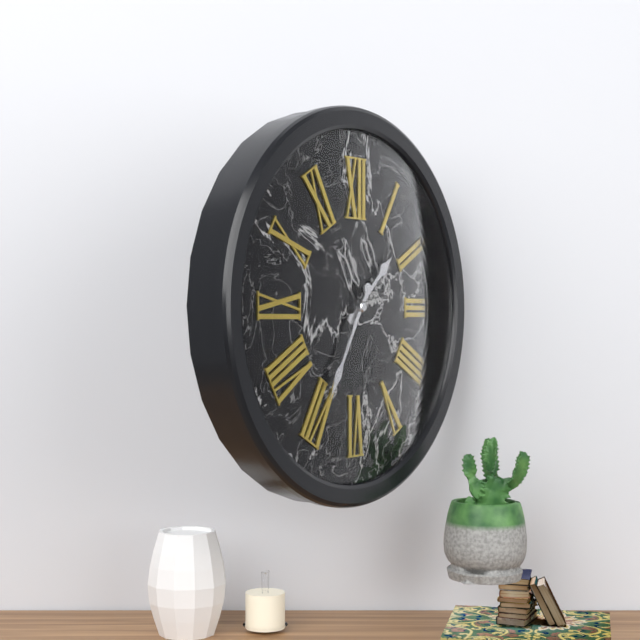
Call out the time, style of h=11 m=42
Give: h=1 m=35
